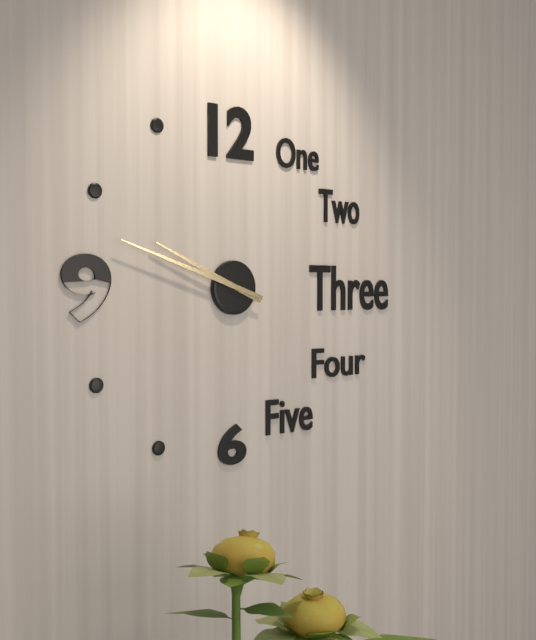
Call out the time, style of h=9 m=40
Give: h=9 m=48
